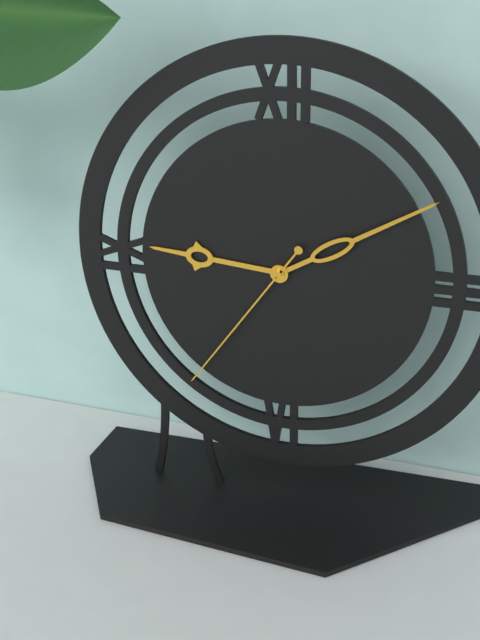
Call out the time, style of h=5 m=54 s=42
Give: h=9 m=10 s=36
